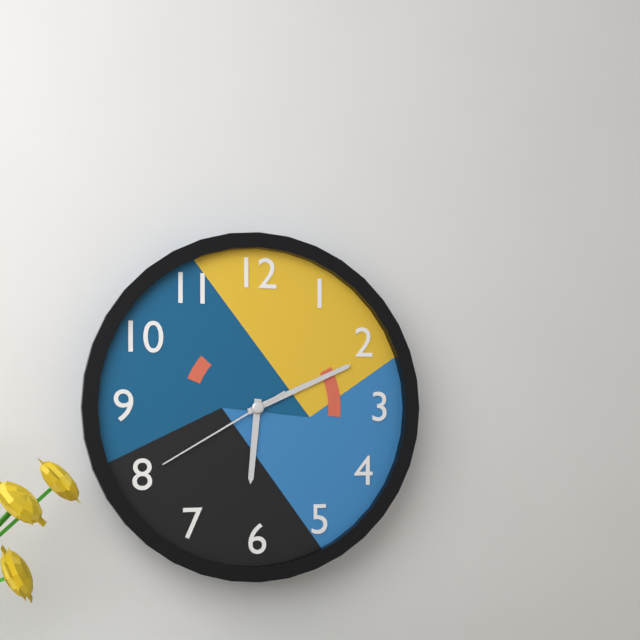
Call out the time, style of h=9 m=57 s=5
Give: h=6 m=11 s=40
